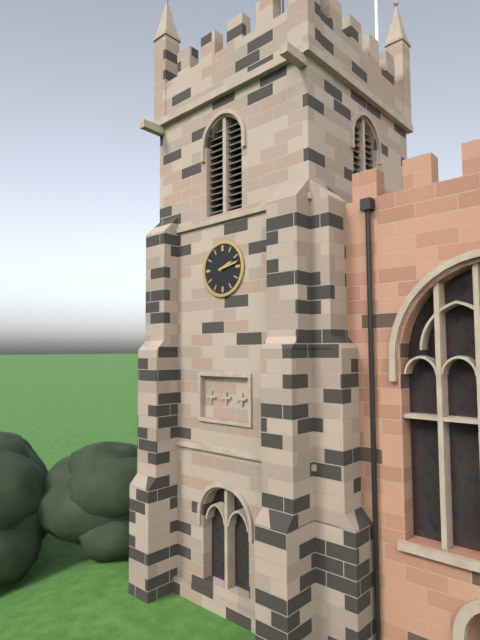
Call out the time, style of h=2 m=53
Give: h=2 m=13
